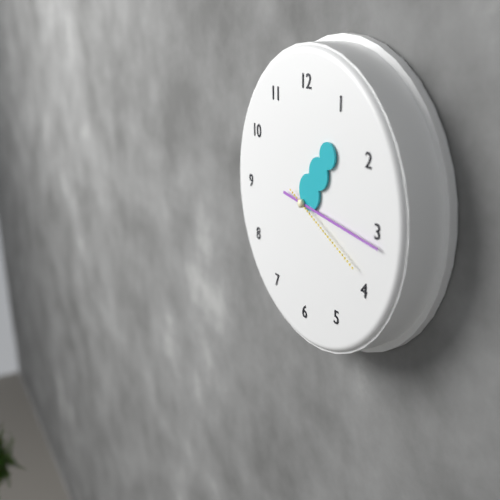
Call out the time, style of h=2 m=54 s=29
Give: h=1 m=16 s=19
